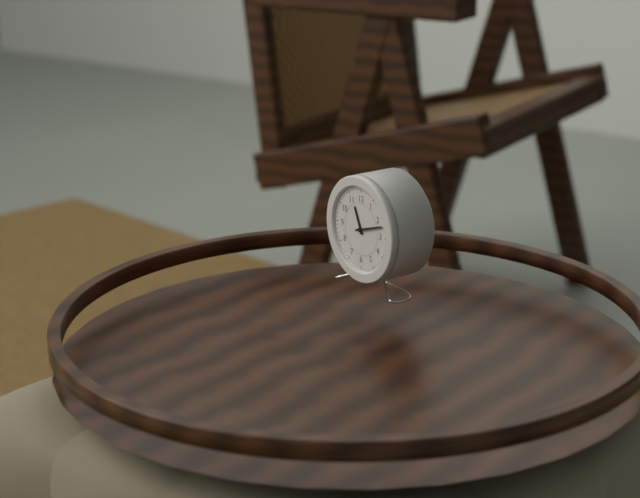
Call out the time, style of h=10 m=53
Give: h=11 m=12
